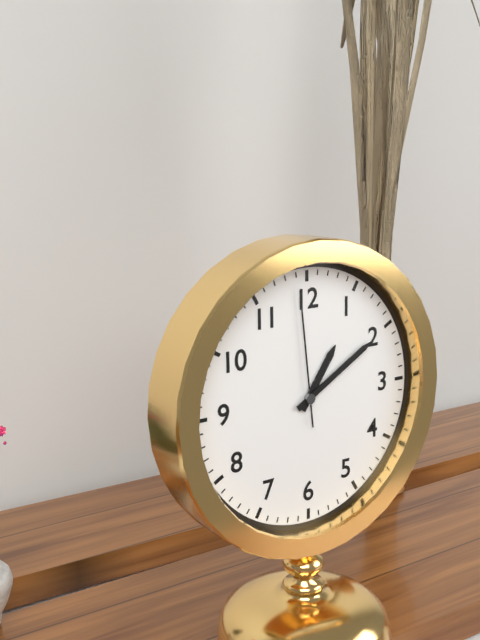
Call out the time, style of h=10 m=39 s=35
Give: h=1 m=10 s=59
